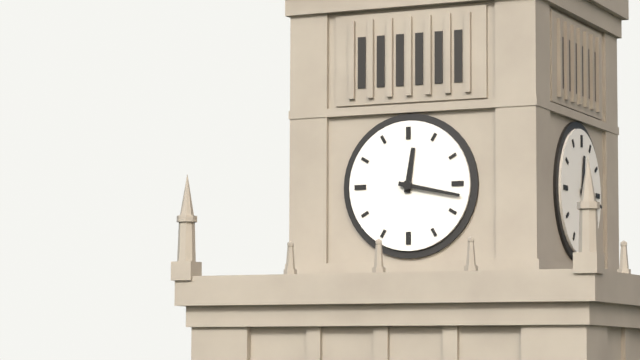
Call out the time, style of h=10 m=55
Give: h=12 m=17
